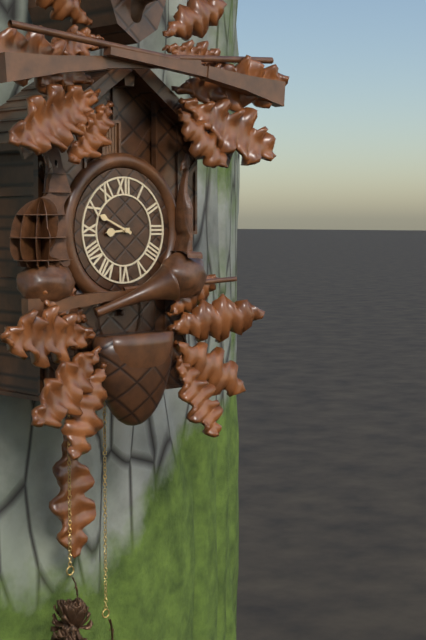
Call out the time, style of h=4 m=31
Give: h=8 m=49
